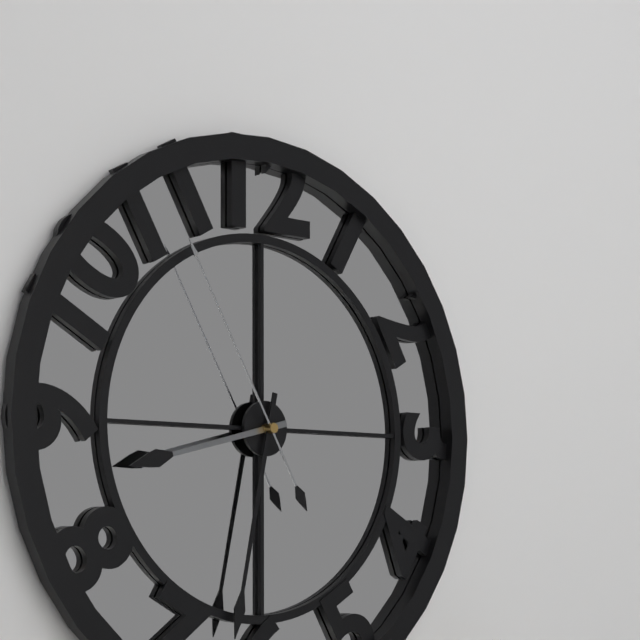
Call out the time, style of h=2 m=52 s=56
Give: h=8 m=32 s=55
